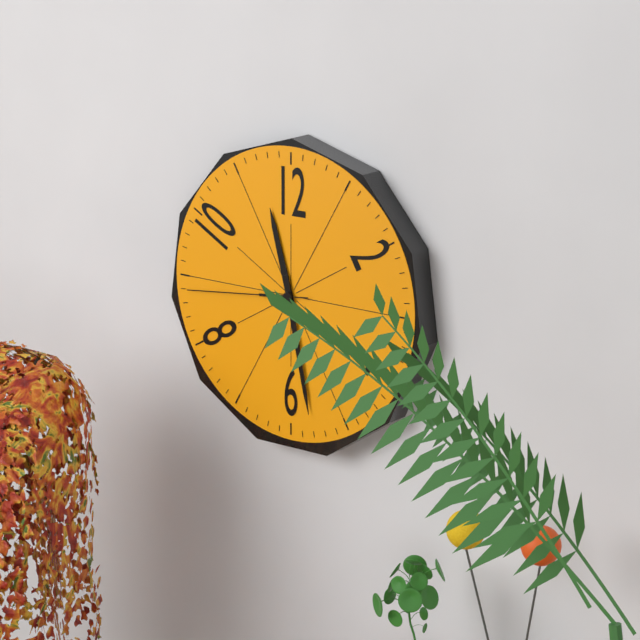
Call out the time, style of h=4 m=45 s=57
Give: h=11 m=28 s=44
